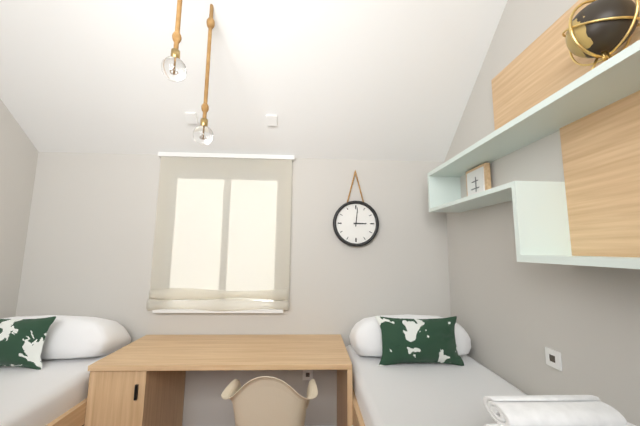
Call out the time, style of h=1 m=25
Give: h=3 m=1
